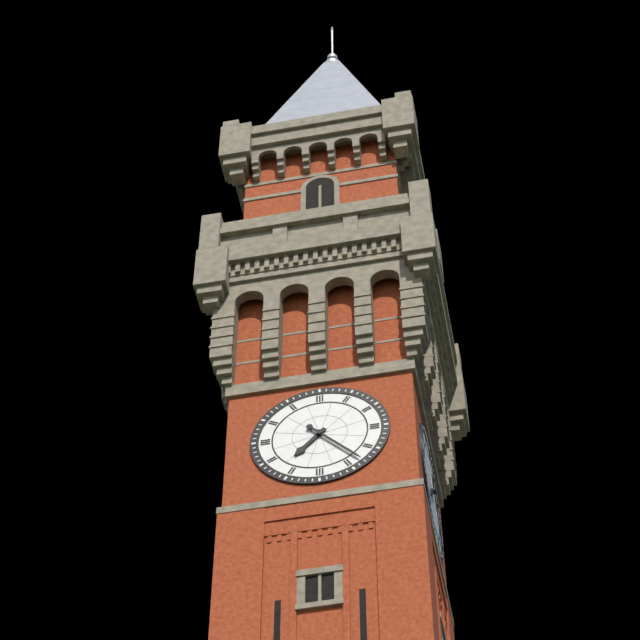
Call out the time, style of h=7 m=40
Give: h=7 m=23
